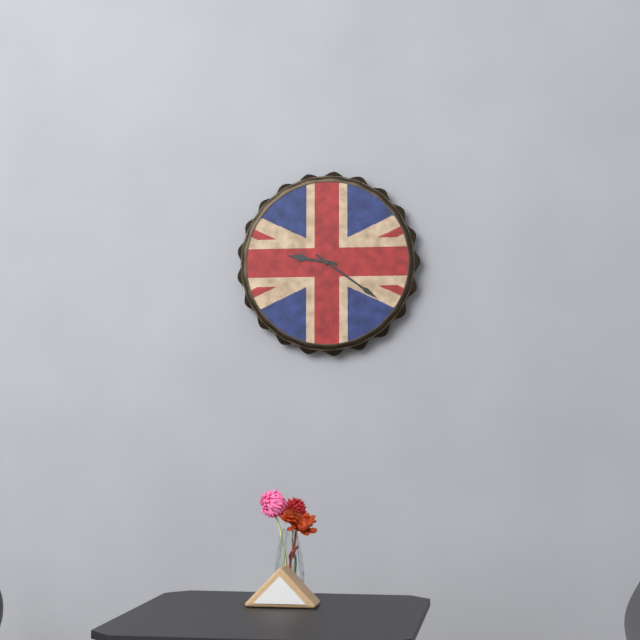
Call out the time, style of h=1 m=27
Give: h=9 m=21
